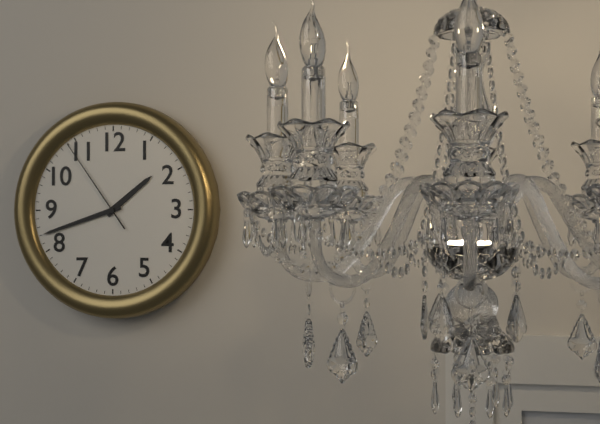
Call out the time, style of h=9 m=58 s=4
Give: h=1 m=42 s=54
